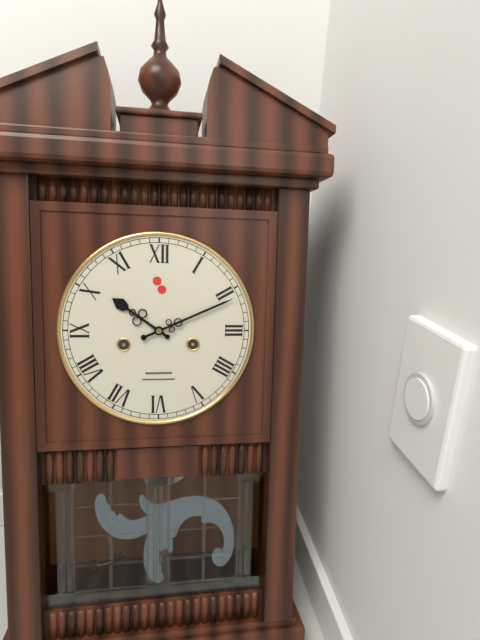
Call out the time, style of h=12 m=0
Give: h=10 m=11
